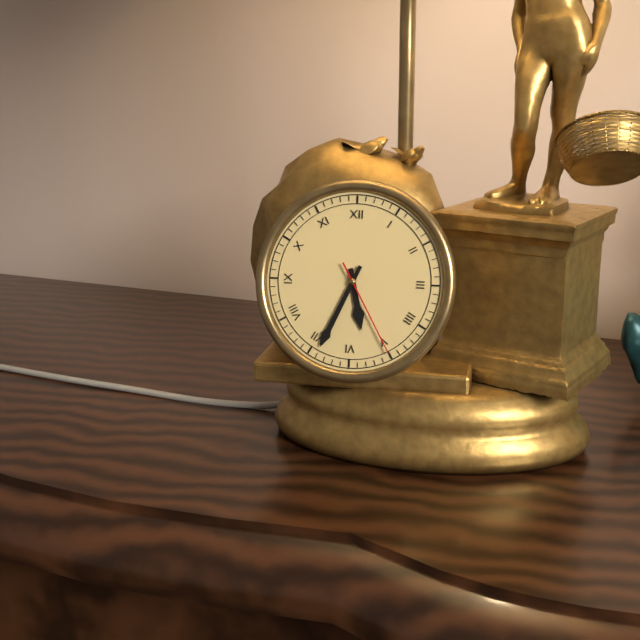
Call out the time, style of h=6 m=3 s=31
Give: h=5 m=34 s=25
